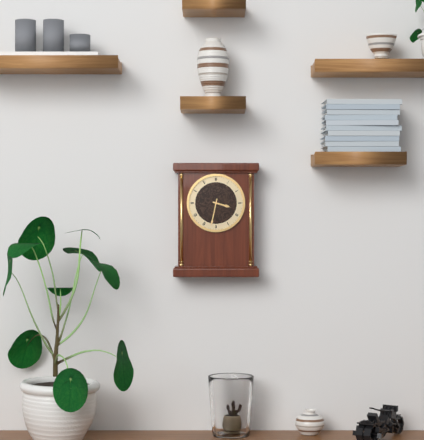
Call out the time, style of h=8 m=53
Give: h=3 m=32
